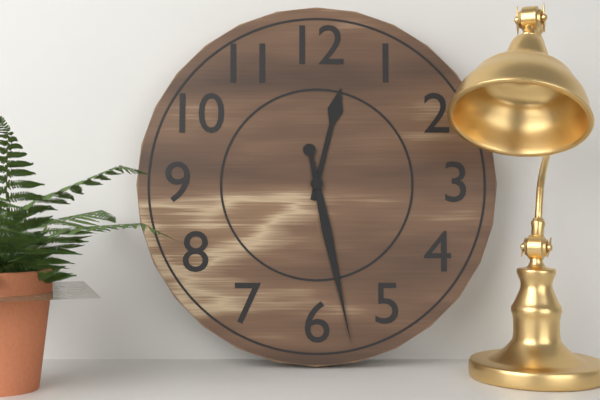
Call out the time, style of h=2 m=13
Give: h=12 m=28
